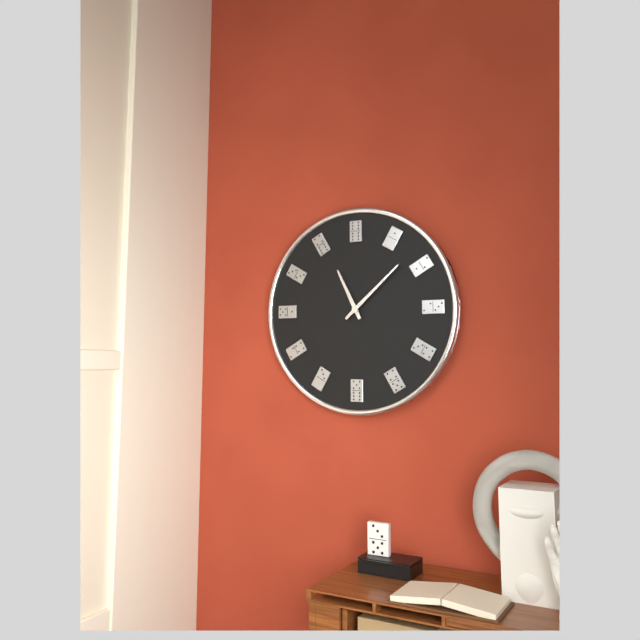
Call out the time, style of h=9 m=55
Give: h=11 m=8
